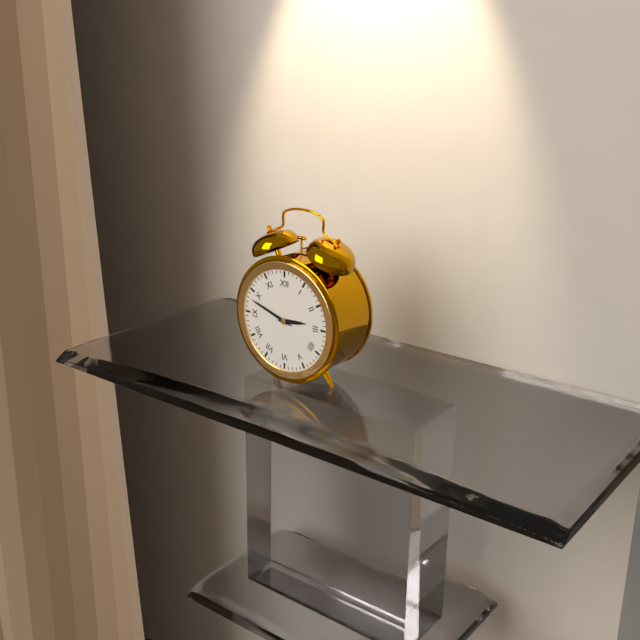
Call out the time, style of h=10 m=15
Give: h=2 m=48
